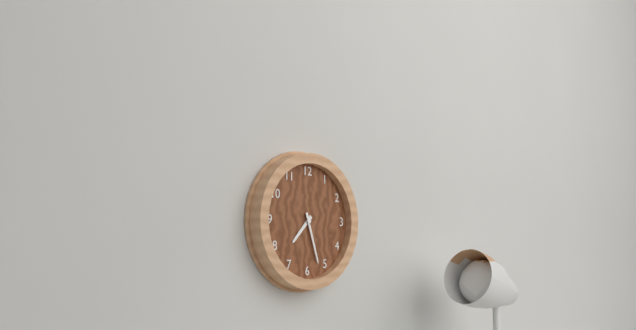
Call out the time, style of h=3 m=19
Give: h=7 m=27
